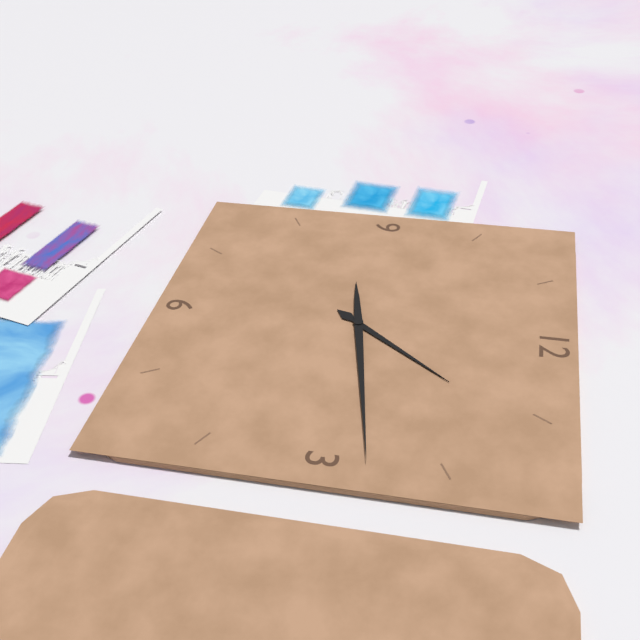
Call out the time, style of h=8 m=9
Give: h=1 m=13
